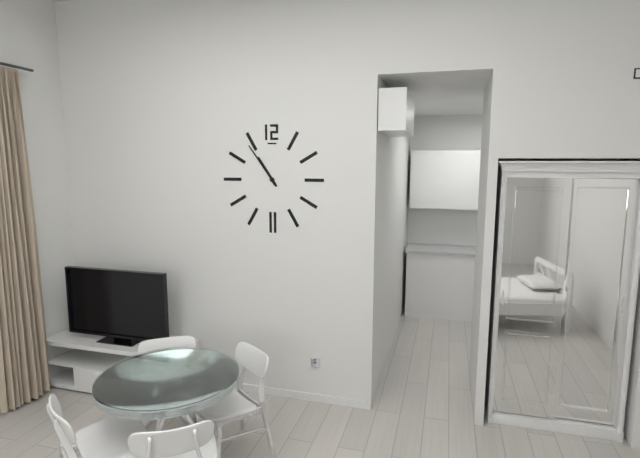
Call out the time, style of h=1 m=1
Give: h=10 m=54
